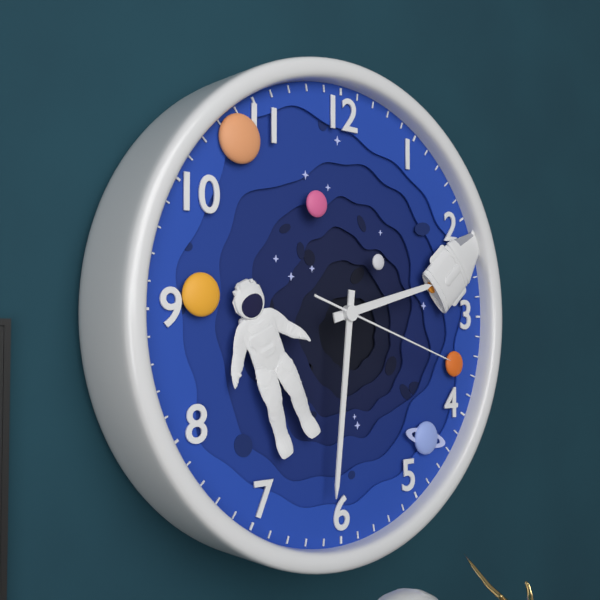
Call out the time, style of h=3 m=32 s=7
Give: h=2 m=31 s=18
